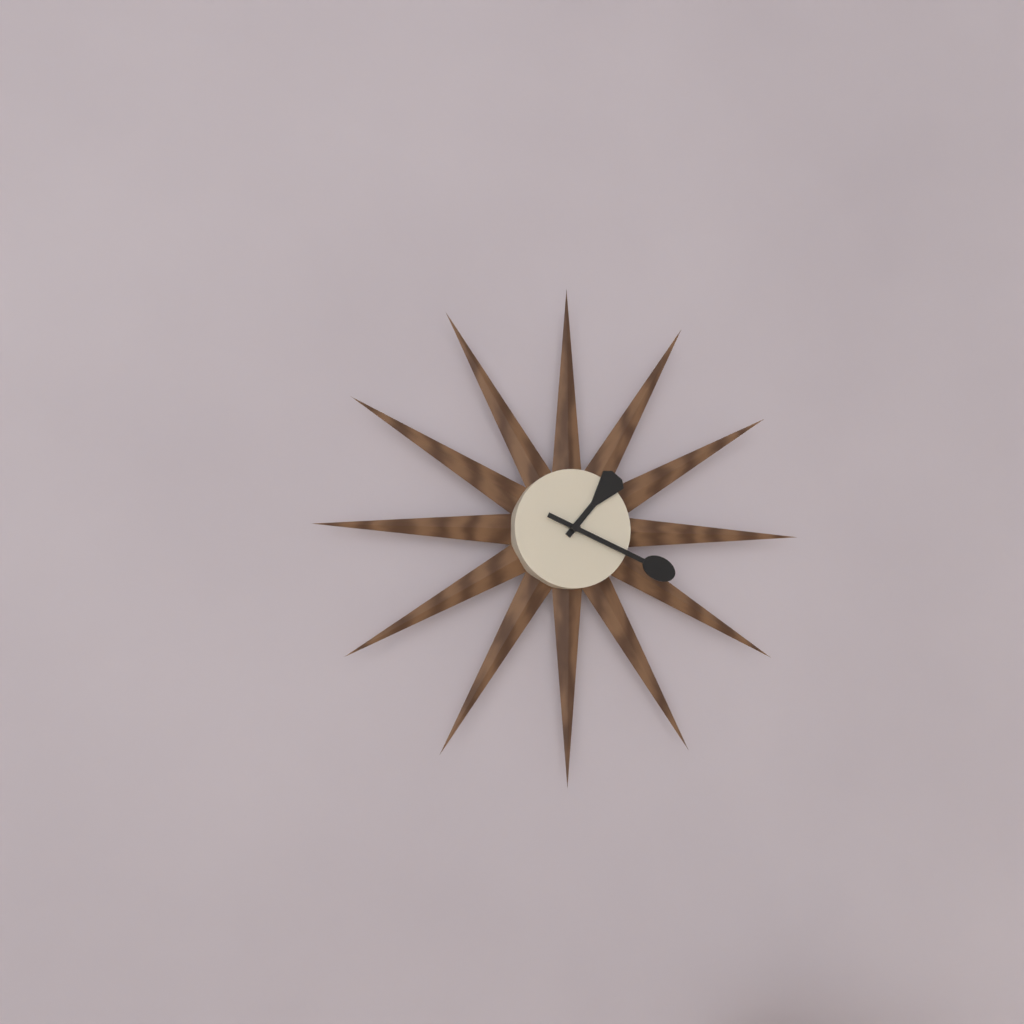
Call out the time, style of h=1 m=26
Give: h=1 m=19
